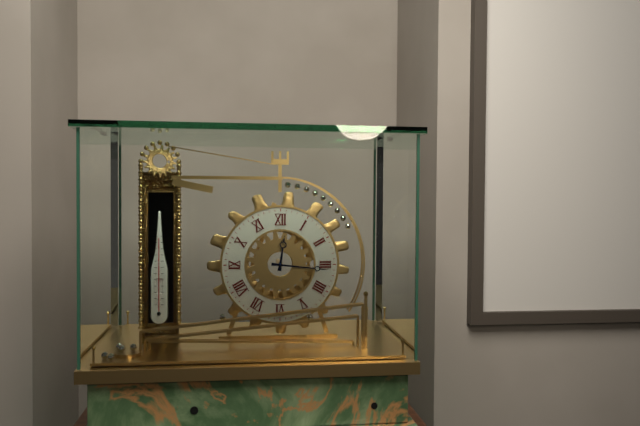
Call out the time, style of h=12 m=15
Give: h=12 m=16
